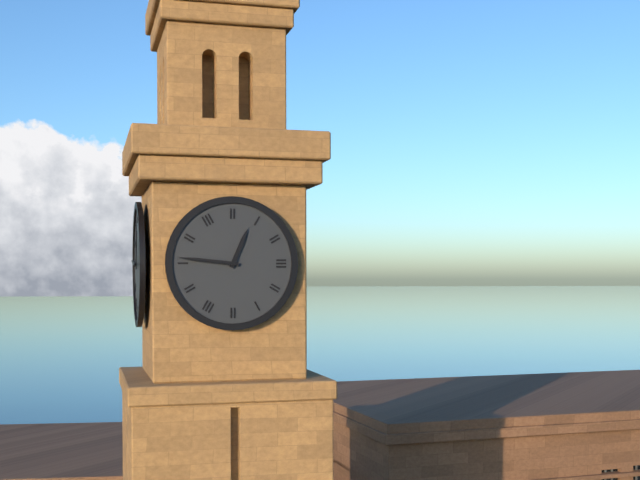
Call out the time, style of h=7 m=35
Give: h=12 m=46
